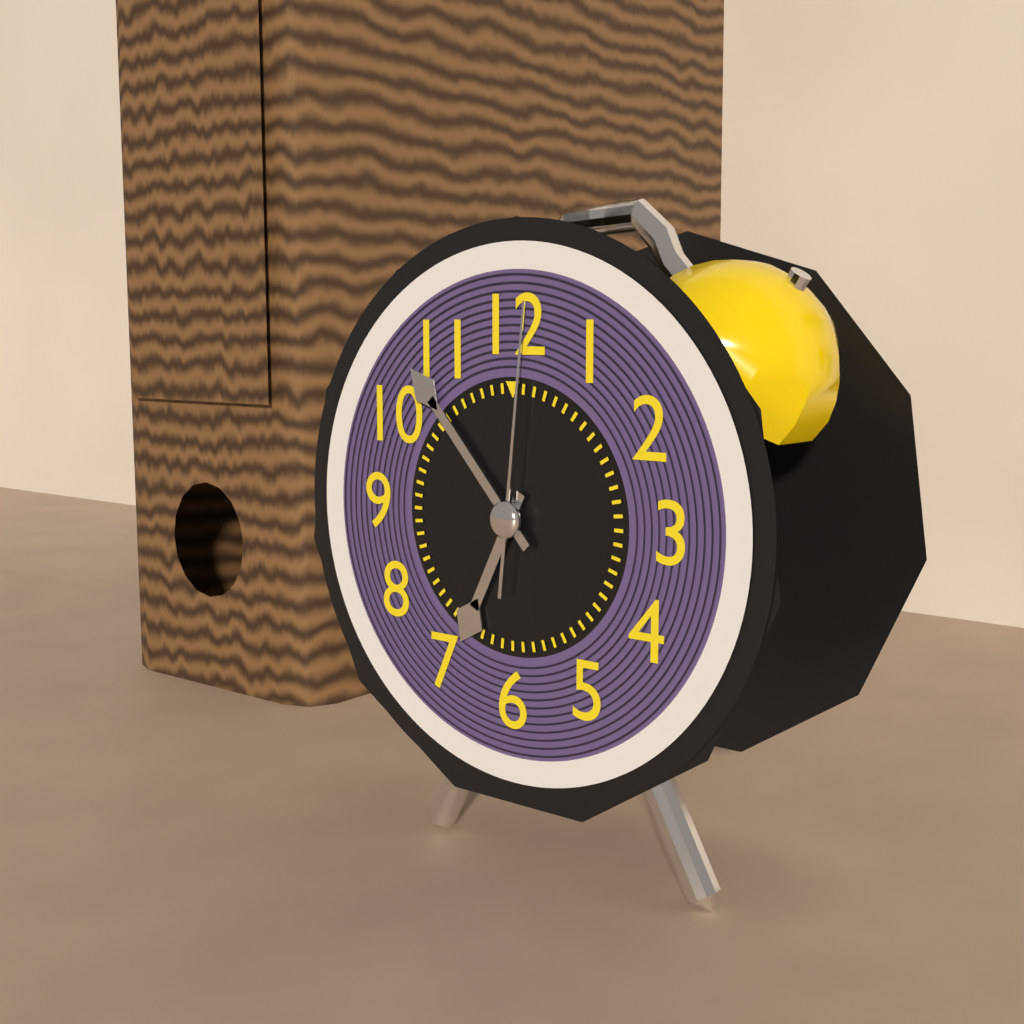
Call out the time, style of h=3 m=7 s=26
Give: h=6 m=53 s=1
